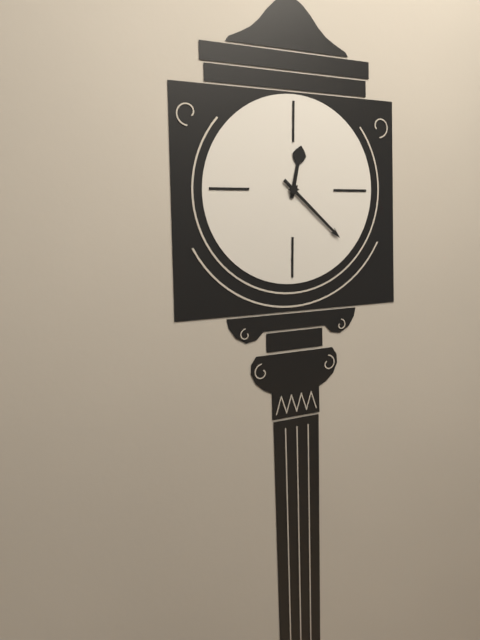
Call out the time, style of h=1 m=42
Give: h=12 m=22
